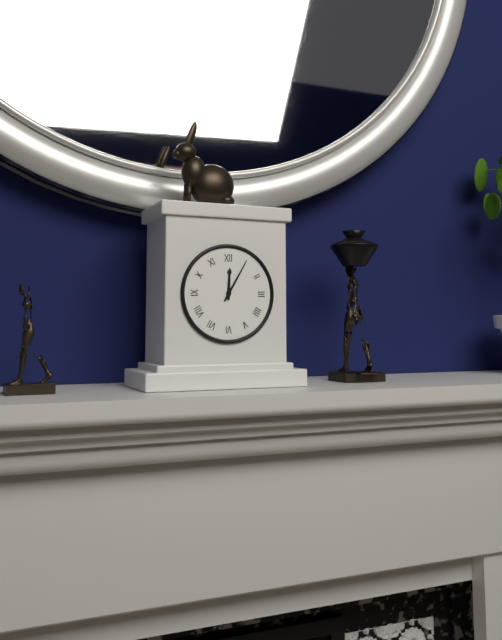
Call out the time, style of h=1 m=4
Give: h=12 m=5
